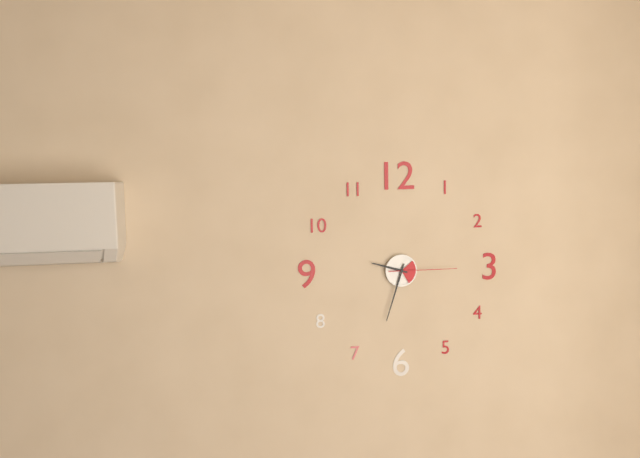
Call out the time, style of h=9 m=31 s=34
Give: h=9 m=33 s=15
